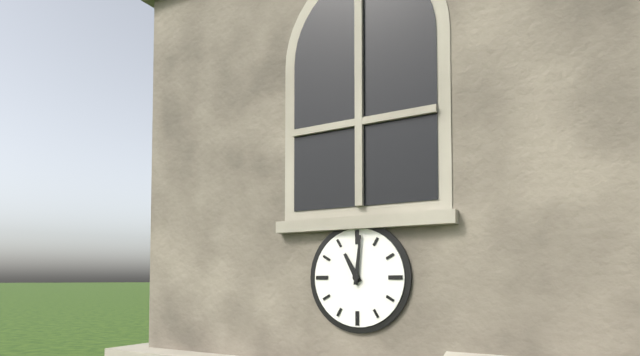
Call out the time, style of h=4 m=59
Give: h=11 m=1
